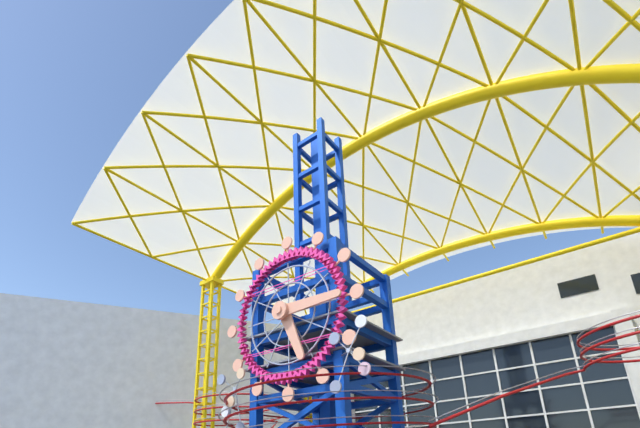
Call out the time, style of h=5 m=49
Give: h=5 m=15
